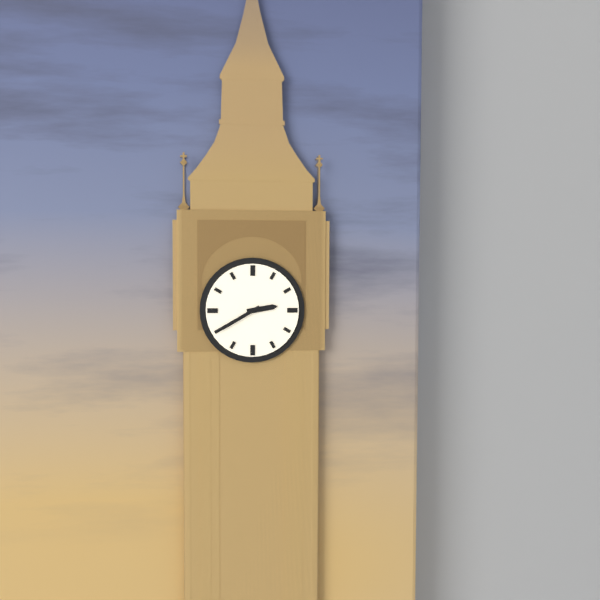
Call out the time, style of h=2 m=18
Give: h=2 m=40
